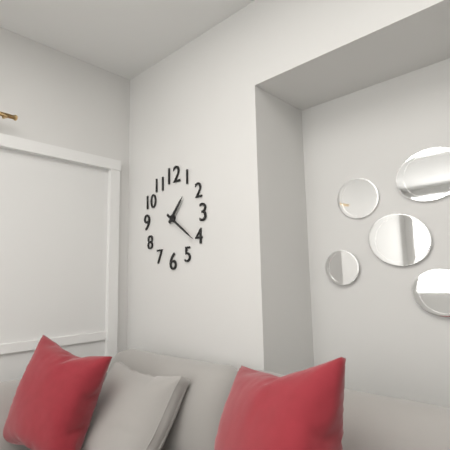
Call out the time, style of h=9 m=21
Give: h=1 m=21
